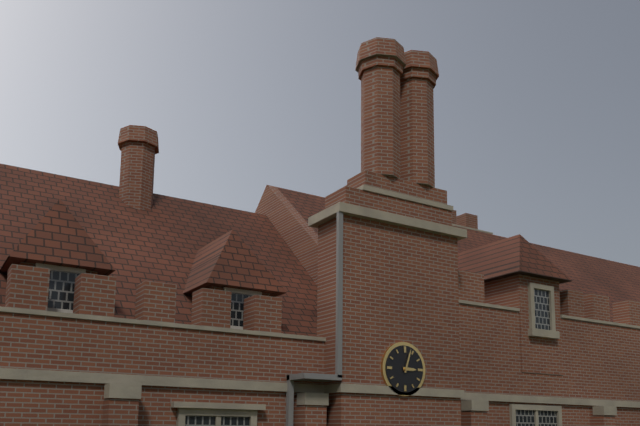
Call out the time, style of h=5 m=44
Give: h=3 m=3
